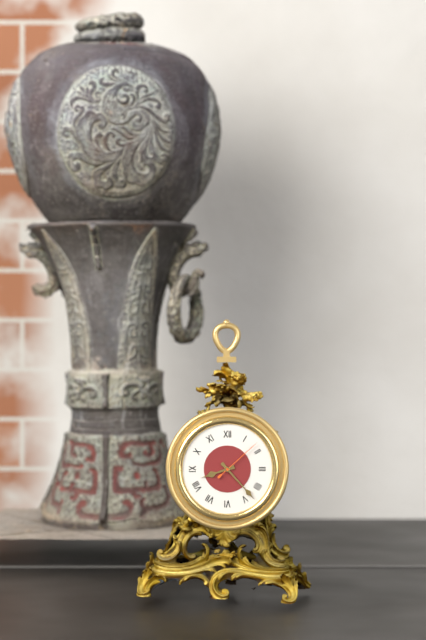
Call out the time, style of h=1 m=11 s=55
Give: h=8 m=23 s=8
